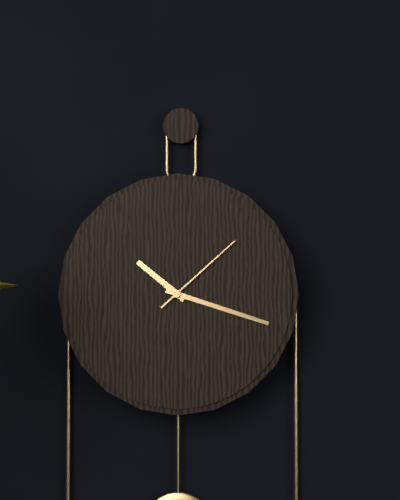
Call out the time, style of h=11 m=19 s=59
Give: h=10 m=18 s=8
